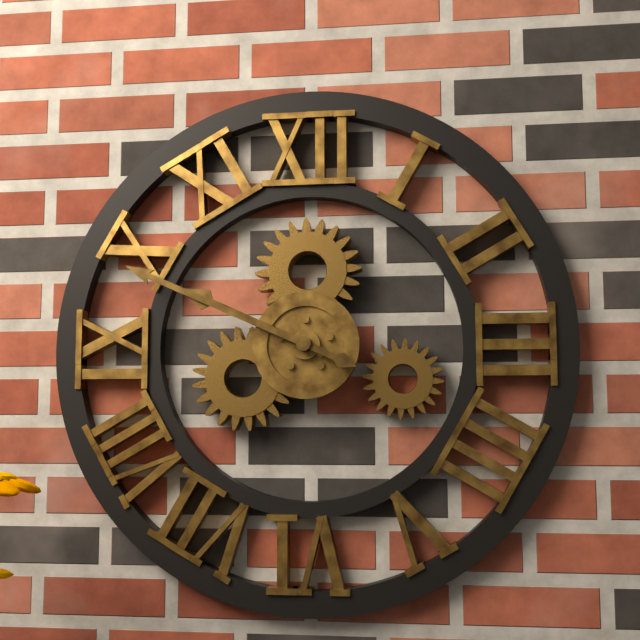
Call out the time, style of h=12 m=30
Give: h=9 m=49
